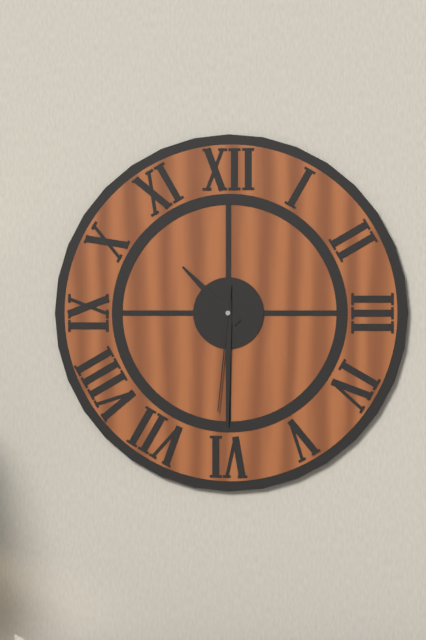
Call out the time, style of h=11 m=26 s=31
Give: h=10 m=30 s=31
